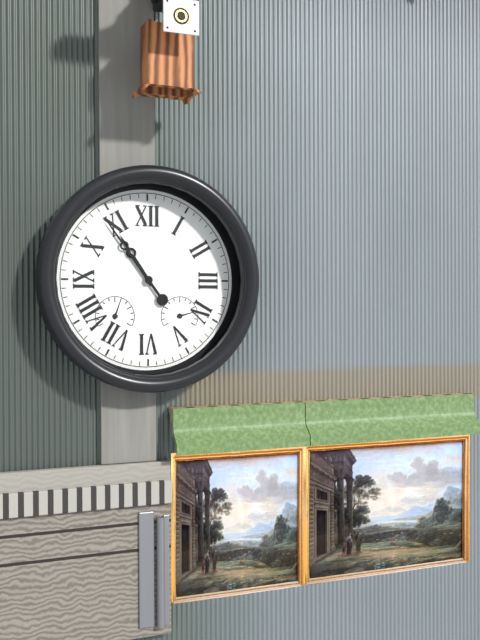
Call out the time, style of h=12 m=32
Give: h=10 m=54
